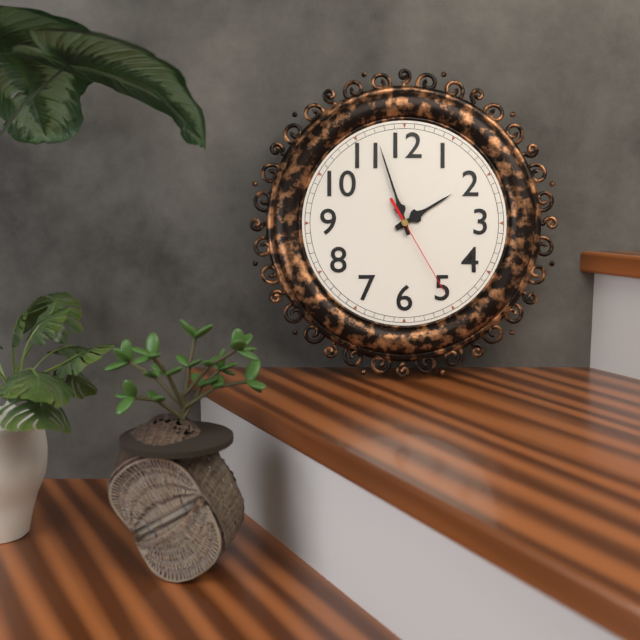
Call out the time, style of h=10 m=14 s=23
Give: h=1 m=57 s=25
